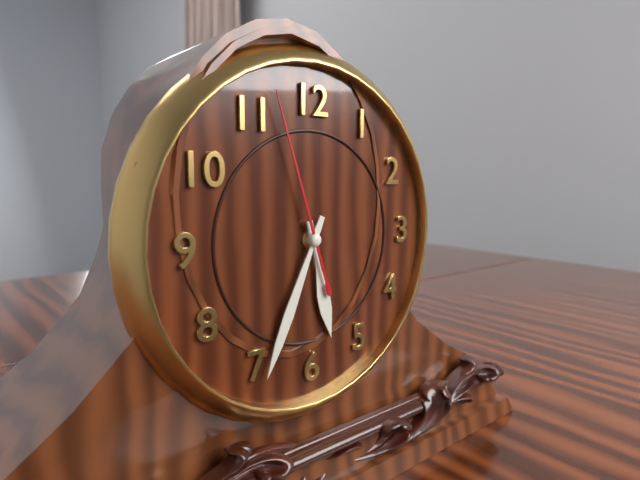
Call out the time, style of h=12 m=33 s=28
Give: h=5 m=34 s=57
